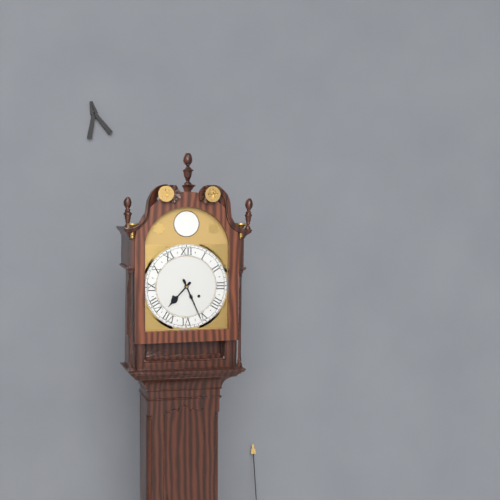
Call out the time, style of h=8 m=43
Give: h=7 m=26
